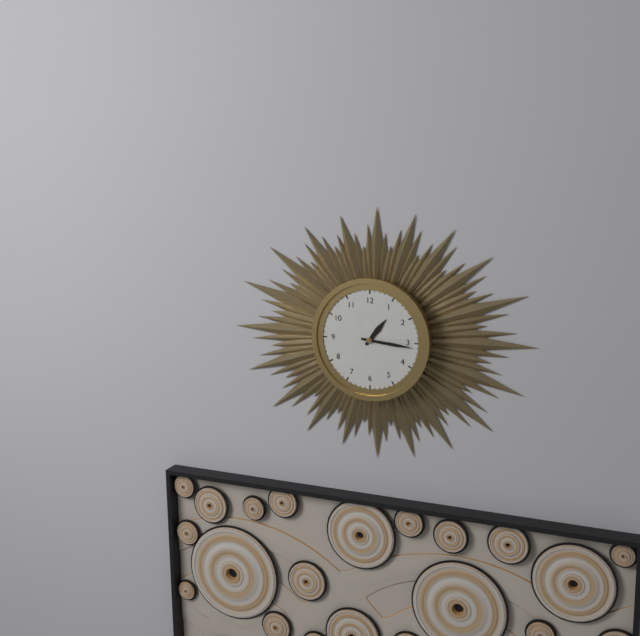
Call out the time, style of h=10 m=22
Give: h=1 m=16
